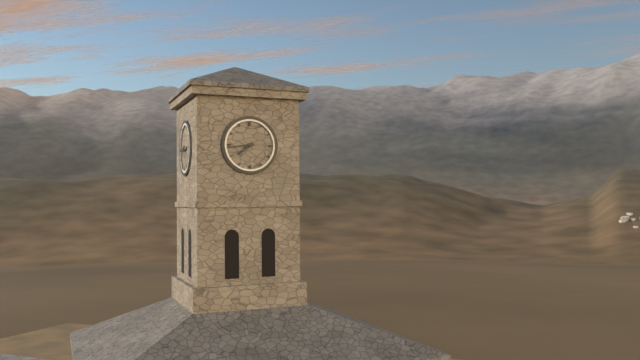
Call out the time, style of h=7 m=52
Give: h=7 m=44
